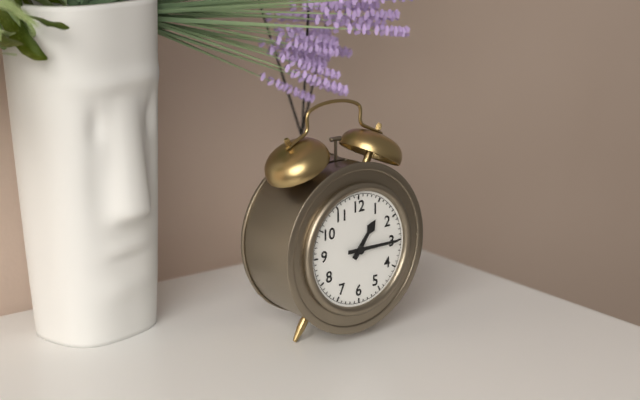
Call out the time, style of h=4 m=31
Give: h=1 m=15
